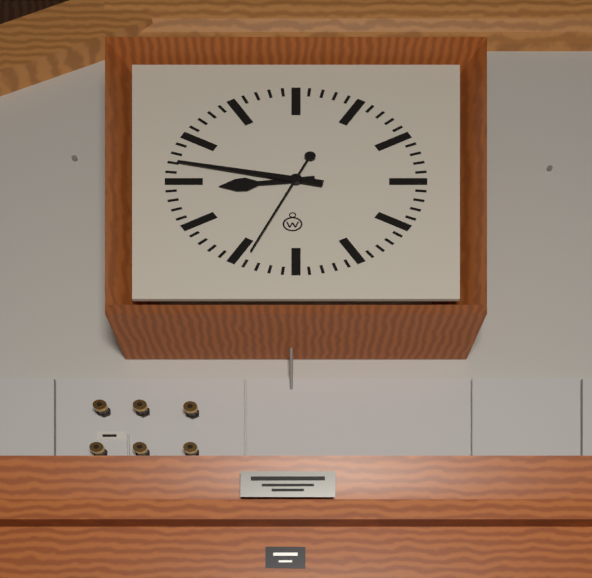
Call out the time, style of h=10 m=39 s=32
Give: h=8 m=47 s=34
